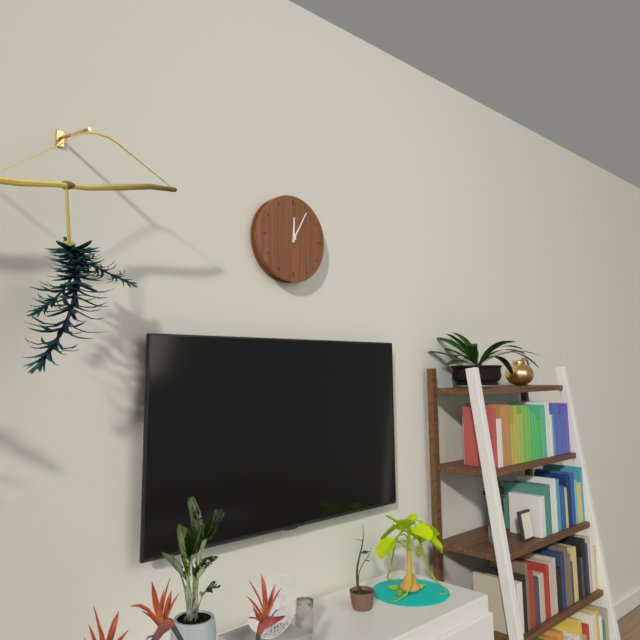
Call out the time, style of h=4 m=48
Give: h=12 m=5
